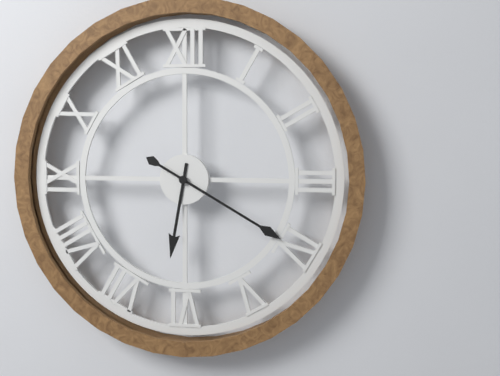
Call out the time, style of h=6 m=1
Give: h=6 m=20
